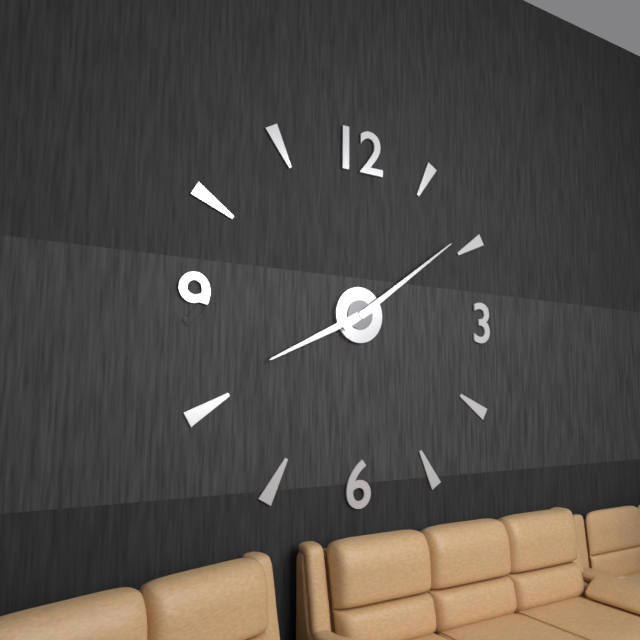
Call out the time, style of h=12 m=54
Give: h=8 m=9
